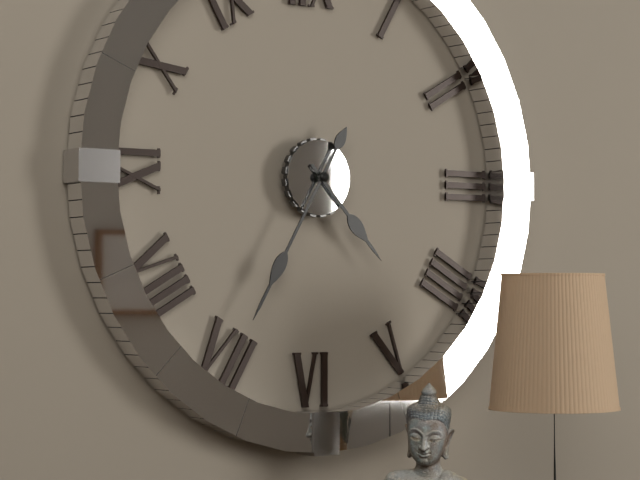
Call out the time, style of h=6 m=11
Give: h=4 m=35
